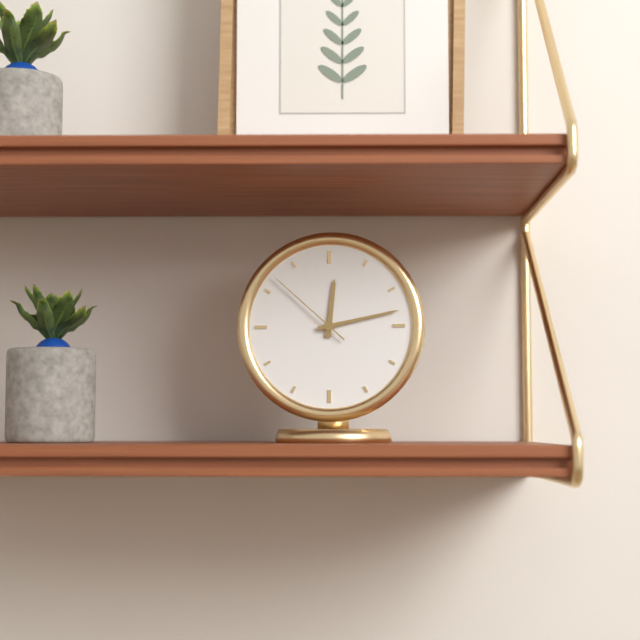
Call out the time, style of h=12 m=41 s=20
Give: h=12 m=13 s=52
